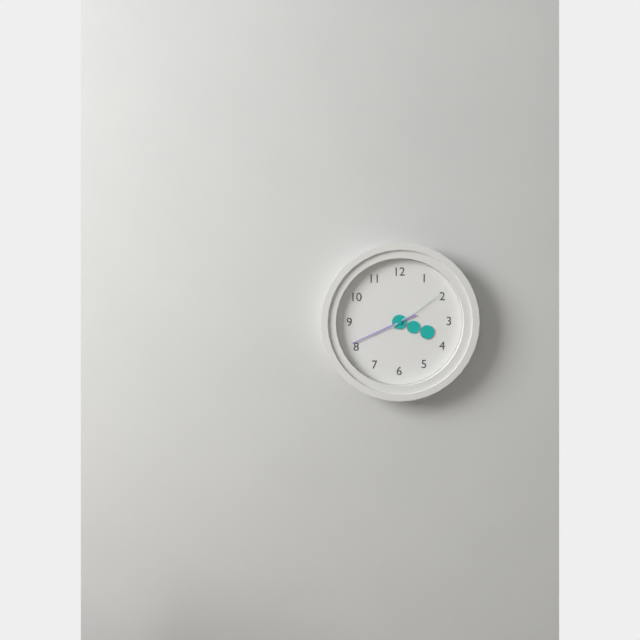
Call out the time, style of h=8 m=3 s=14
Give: h=3 m=41 s=9
